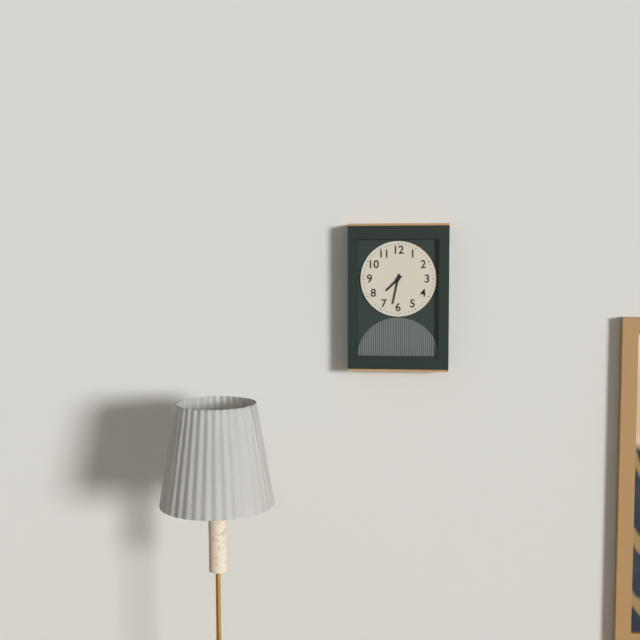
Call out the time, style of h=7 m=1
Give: h=7 m=32
